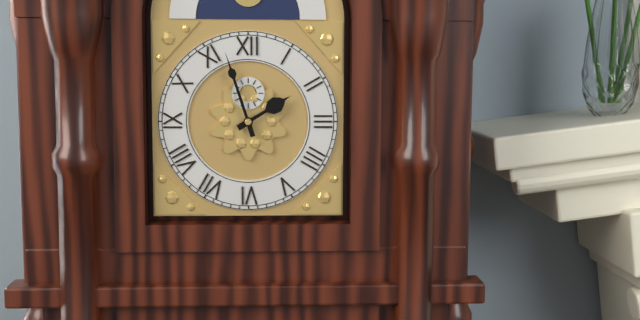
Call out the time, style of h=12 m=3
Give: h=1 m=57
